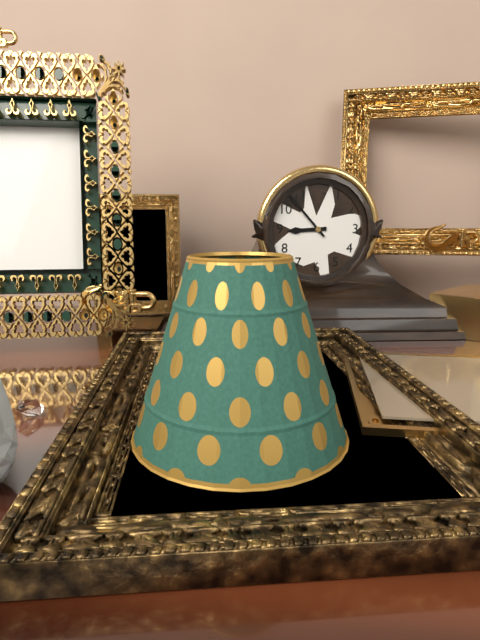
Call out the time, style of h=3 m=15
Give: h=8 m=53
